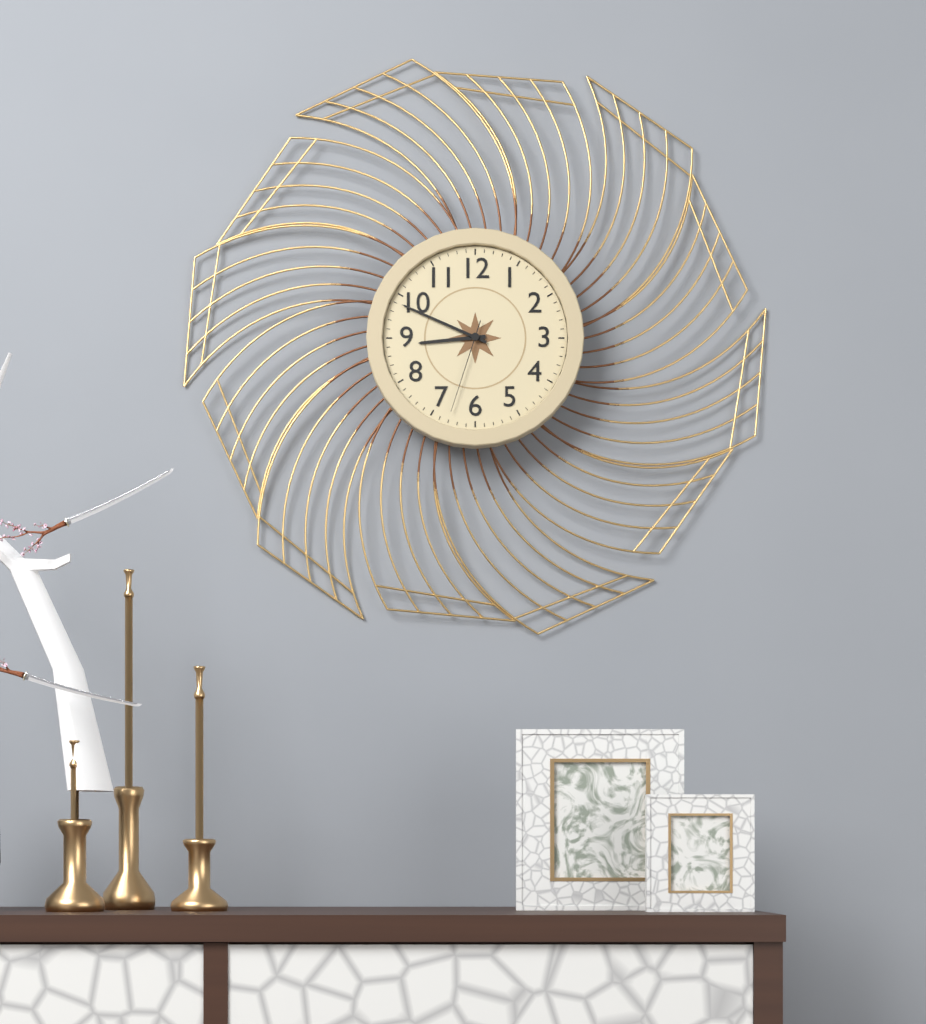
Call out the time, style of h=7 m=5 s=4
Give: h=8 m=49 s=33
